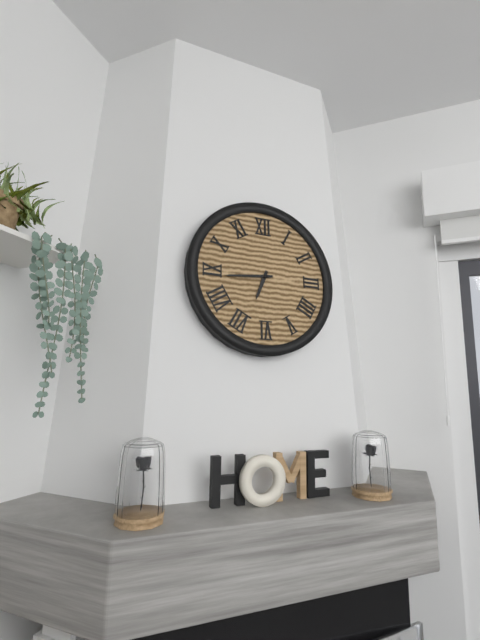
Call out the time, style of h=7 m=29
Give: h=6 m=44
